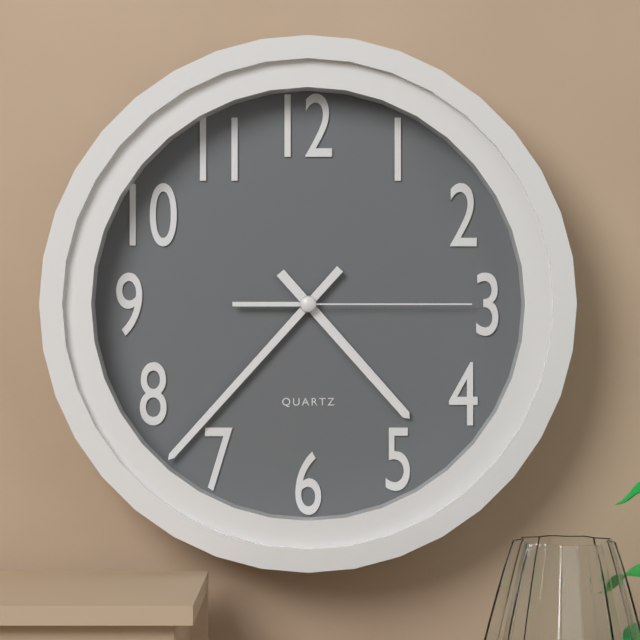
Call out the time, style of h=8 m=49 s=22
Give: h=4 m=37 s=15
